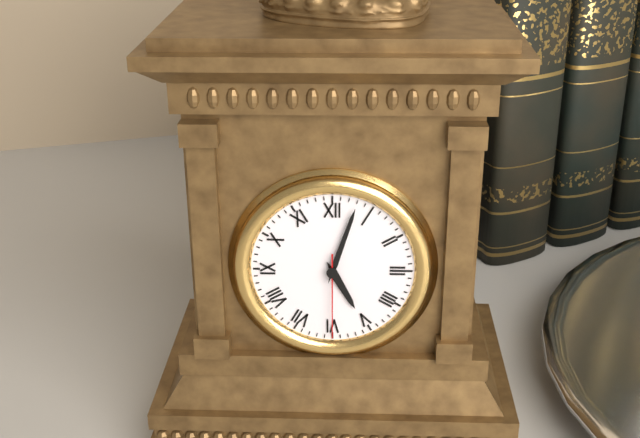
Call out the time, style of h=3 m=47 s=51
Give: h=5 m=3 s=30
